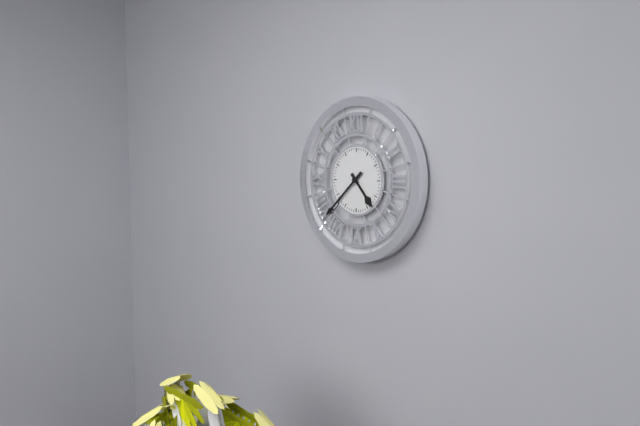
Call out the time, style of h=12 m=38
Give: h=4 m=38
